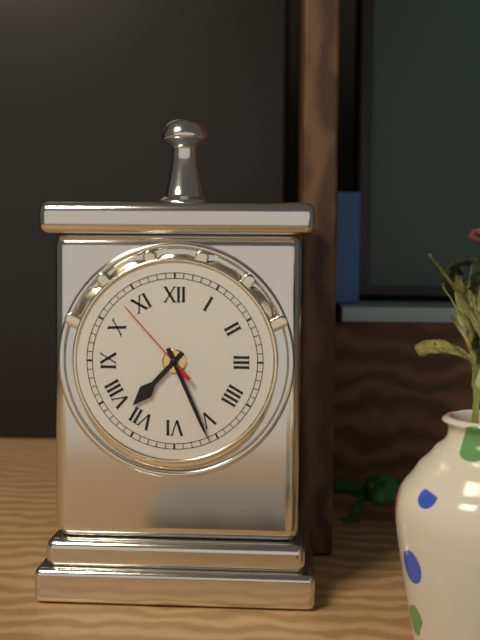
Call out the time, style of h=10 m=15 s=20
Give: h=7 m=26 s=53
